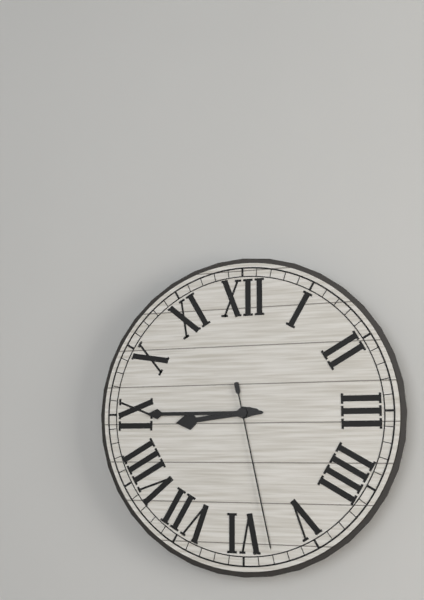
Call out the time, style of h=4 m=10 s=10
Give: h=8 m=45 s=28
